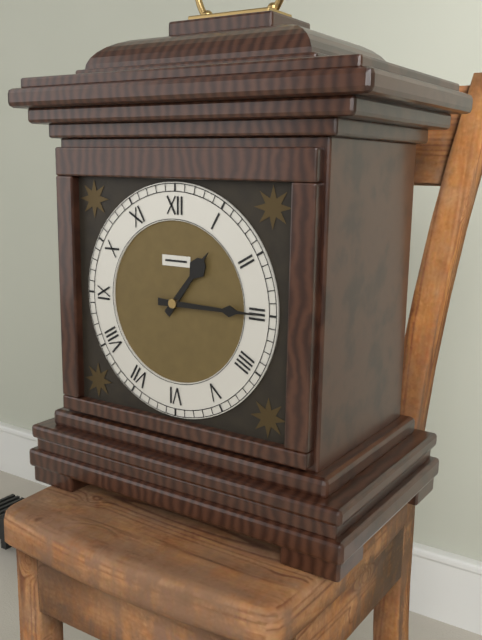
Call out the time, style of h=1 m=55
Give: h=1 m=15
